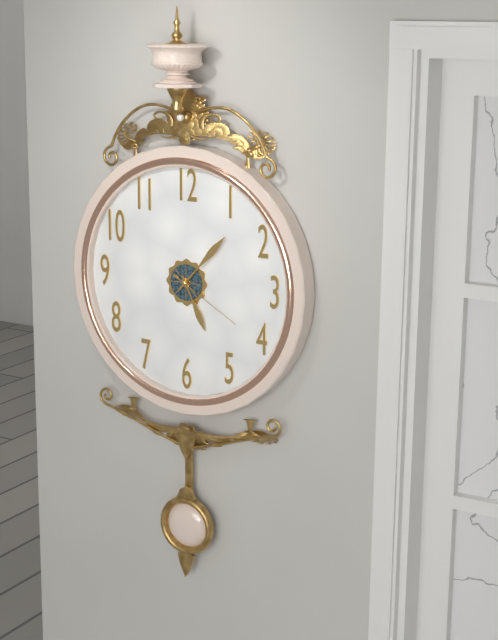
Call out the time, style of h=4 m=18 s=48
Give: h=5 m=7 s=20
